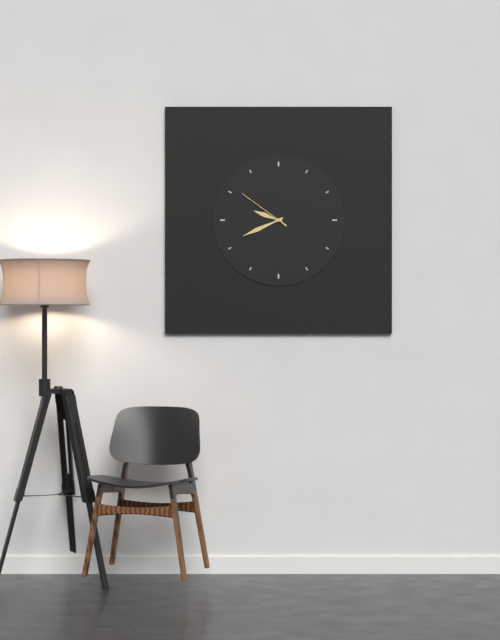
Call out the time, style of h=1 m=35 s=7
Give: h=9 m=41 s=51
